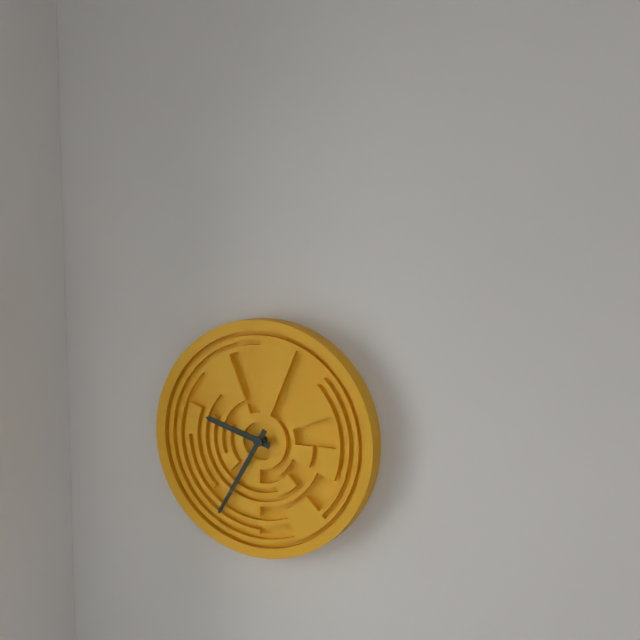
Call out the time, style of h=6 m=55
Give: h=9 m=35
